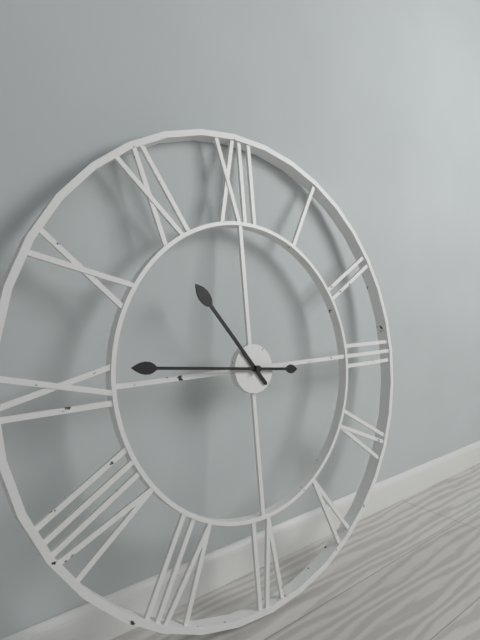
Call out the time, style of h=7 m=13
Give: h=10 m=46
